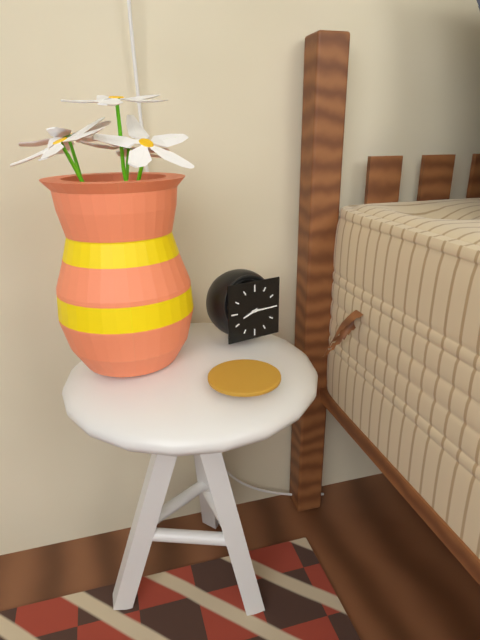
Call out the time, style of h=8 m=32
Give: h=8 m=15
